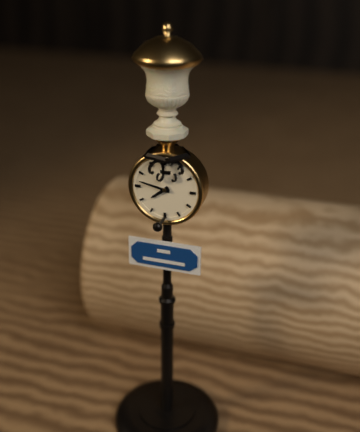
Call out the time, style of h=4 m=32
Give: h=7 m=47
